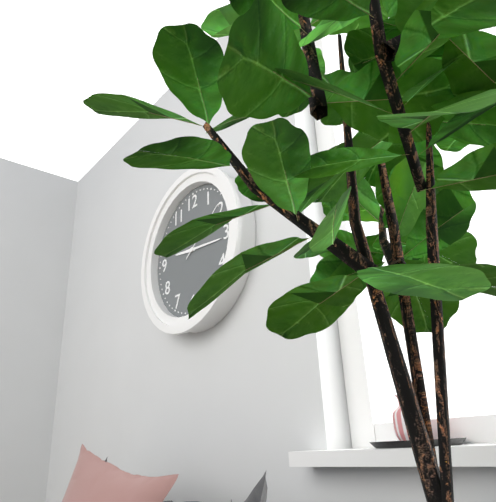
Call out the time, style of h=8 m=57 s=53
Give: h=9 m=16 s=9
